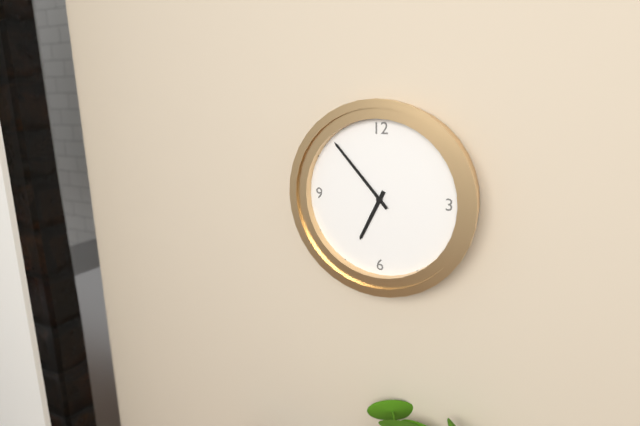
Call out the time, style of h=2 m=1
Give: h=6 m=53
